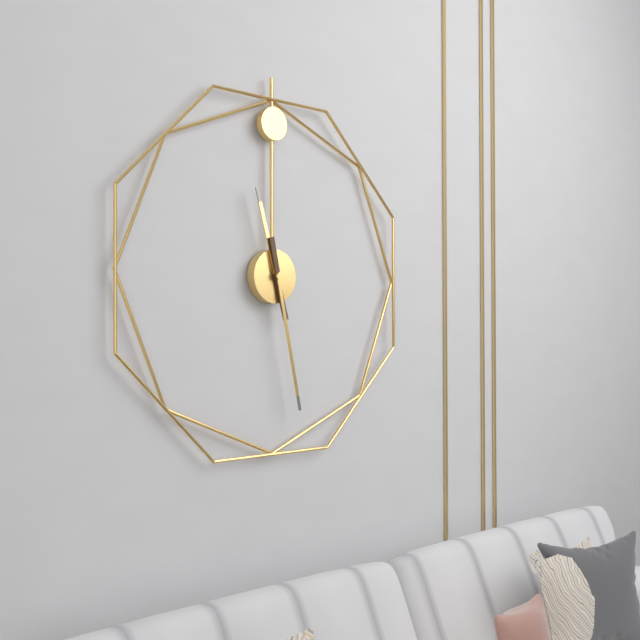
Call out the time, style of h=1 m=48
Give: h=11 m=28
